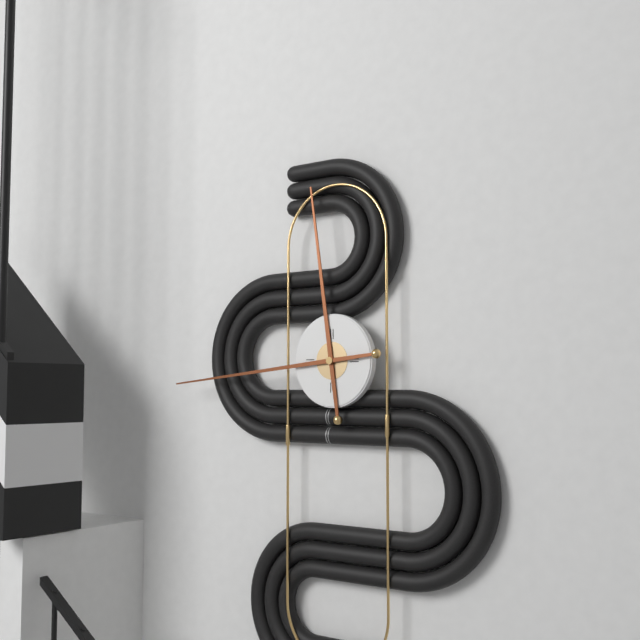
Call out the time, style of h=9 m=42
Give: h=11 m=44
